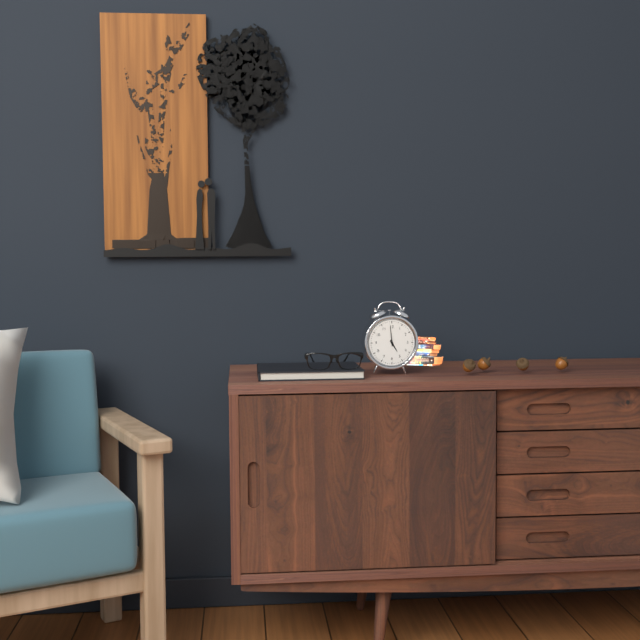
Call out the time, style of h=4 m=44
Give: h=4 m=59
